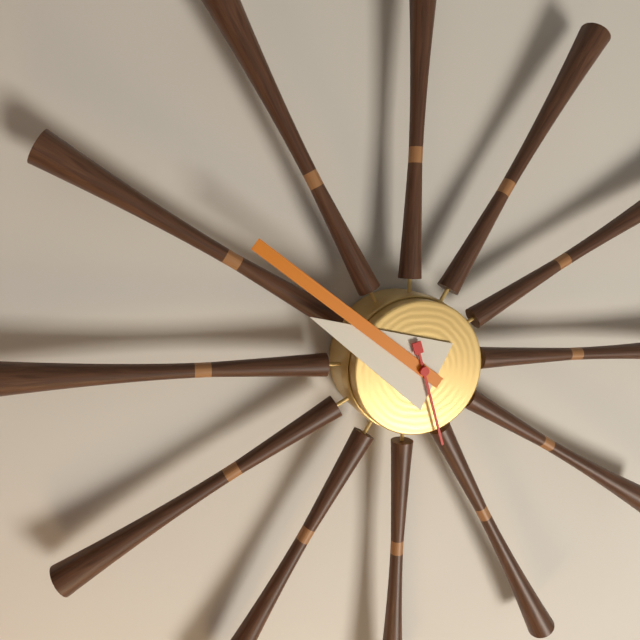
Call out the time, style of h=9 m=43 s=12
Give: h=9 m=51 s=27
